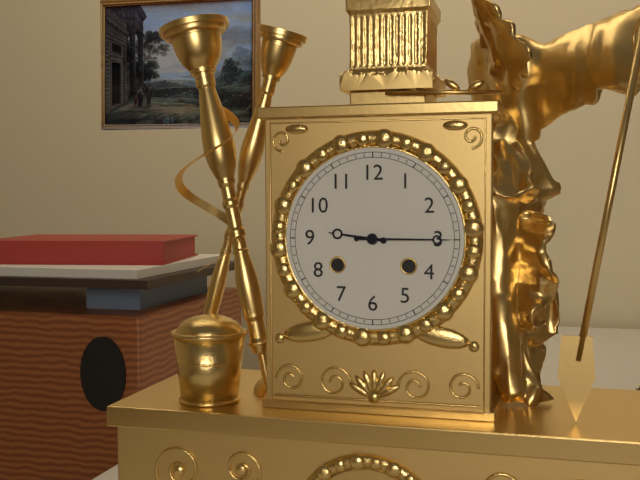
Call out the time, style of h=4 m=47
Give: h=9 m=15
